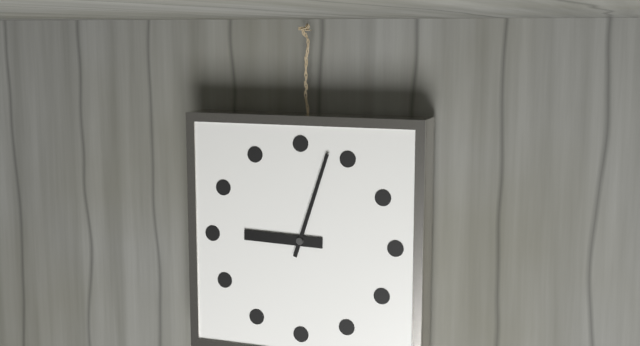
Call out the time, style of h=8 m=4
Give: h=9 m=3
